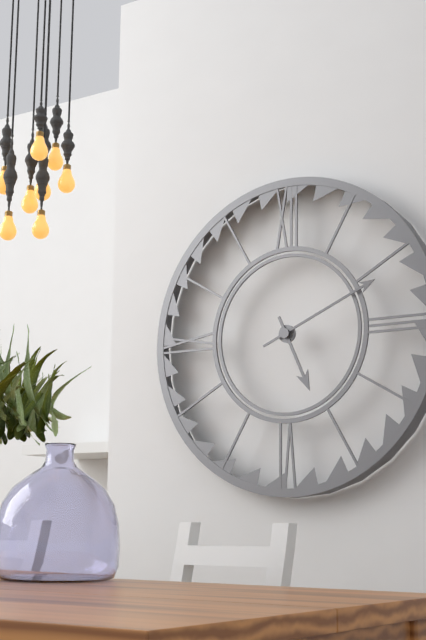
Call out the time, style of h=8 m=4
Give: h=5 m=11
